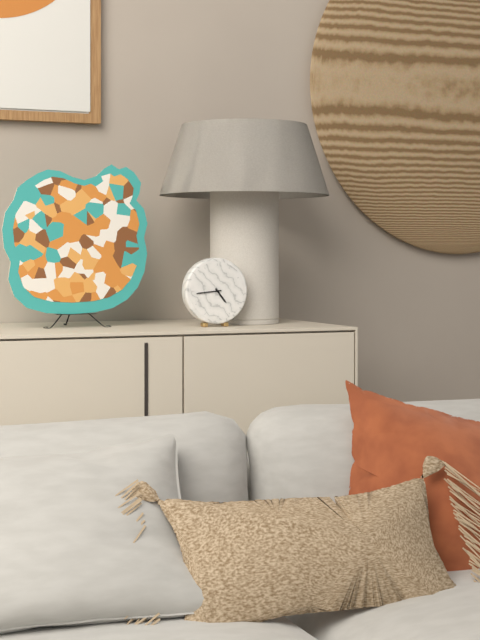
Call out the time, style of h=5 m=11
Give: h=4 m=44
